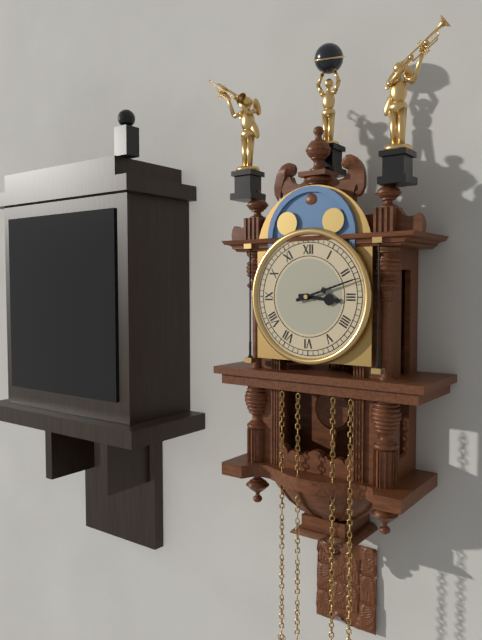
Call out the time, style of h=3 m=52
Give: h=3 m=12
